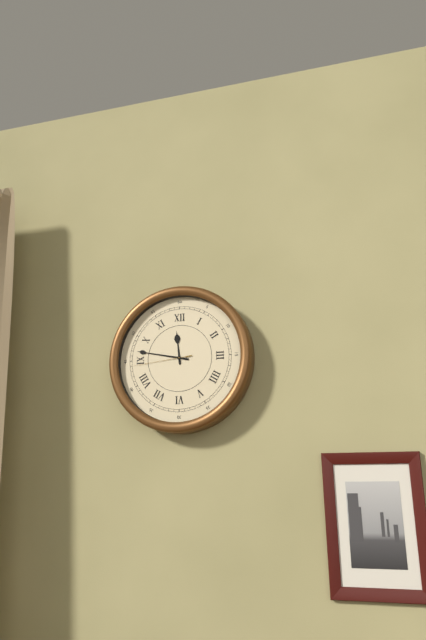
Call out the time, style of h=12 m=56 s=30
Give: h=11 m=47 s=44
